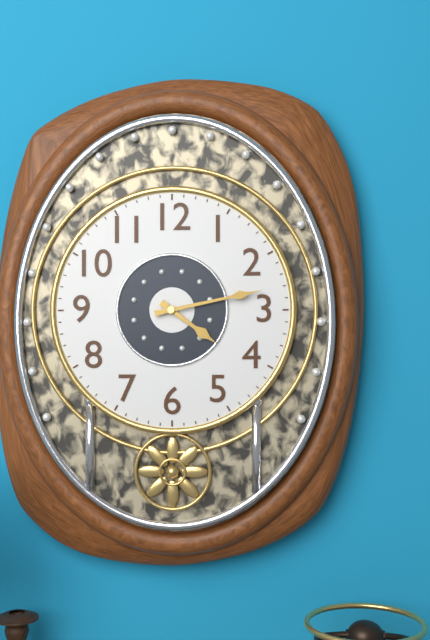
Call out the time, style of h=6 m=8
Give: h=4 m=13
